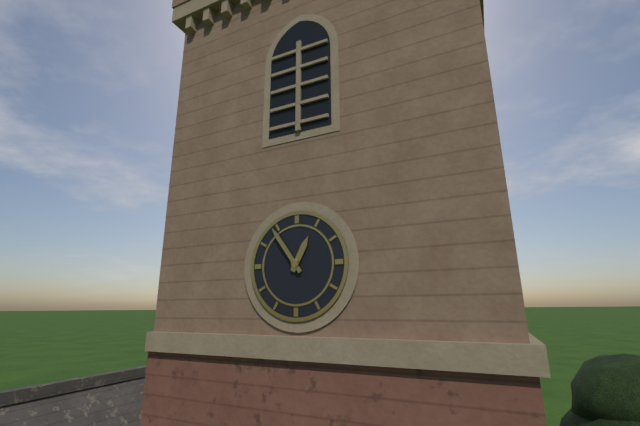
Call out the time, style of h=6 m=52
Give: h=12 m=54
